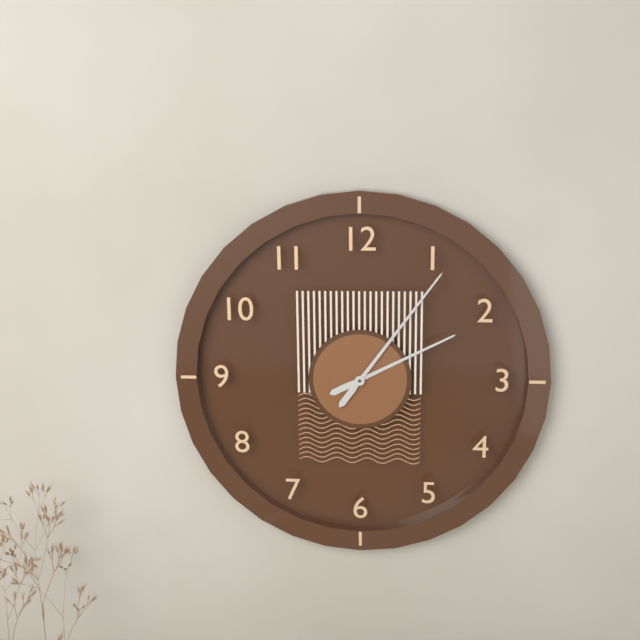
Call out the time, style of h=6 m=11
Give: h=2 m=6
